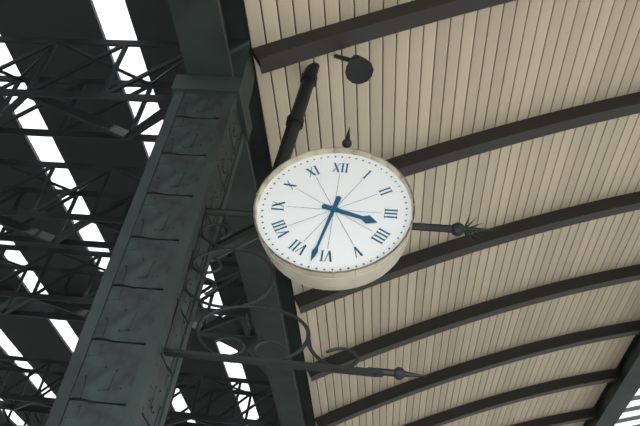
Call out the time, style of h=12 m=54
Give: h=3 m=32
